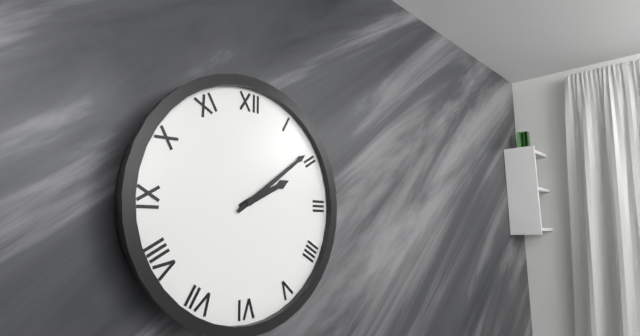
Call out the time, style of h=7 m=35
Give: h=2 m=9
